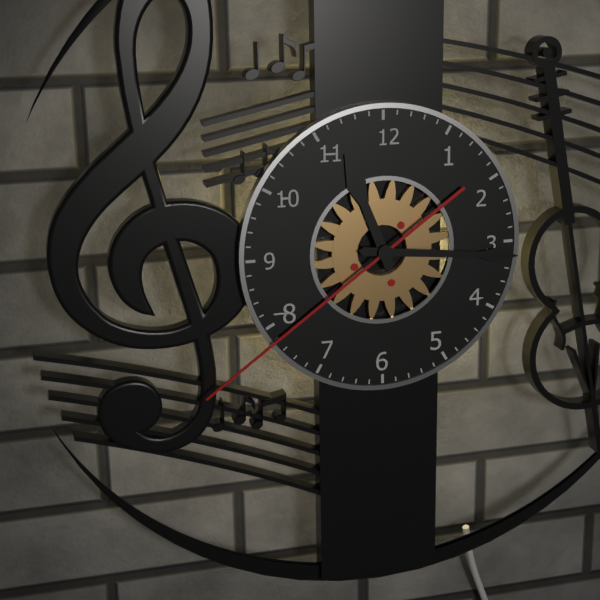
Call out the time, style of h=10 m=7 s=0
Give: h=11 m=16 s=39
